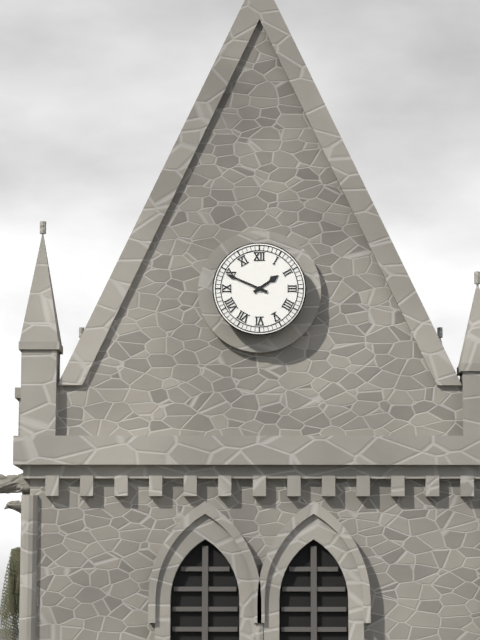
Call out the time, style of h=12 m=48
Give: h=1 m=49
